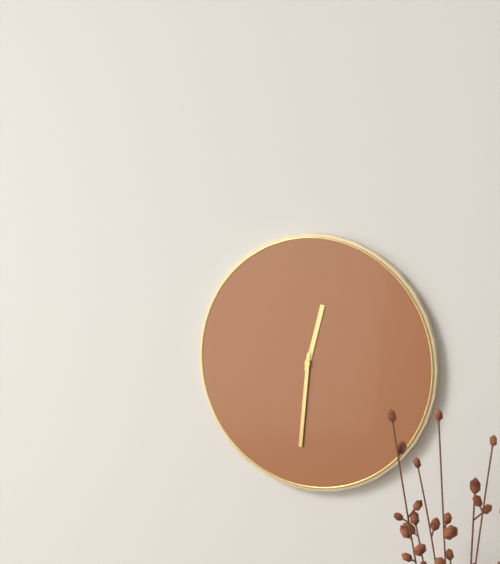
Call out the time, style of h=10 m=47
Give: h=12 m=31
